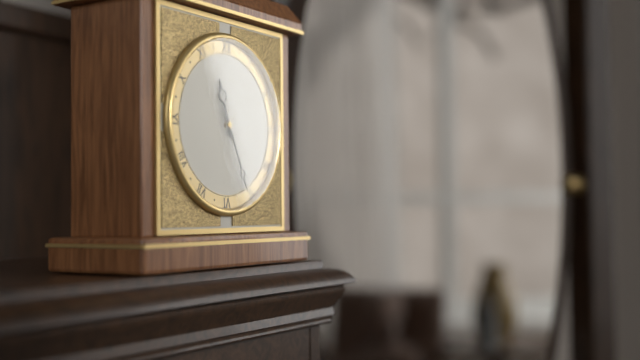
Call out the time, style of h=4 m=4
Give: h=11 m=26
